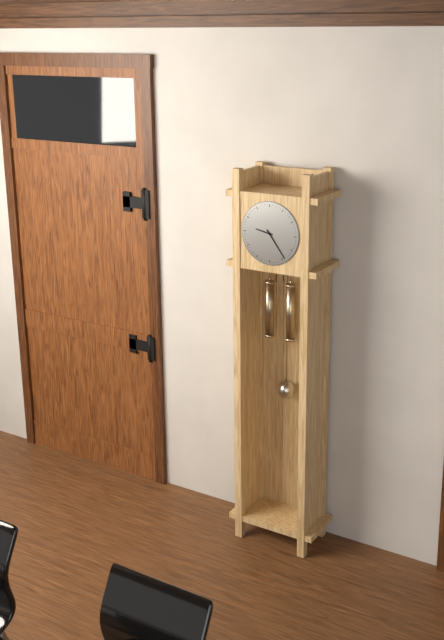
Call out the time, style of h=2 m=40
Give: h=9 m=24
